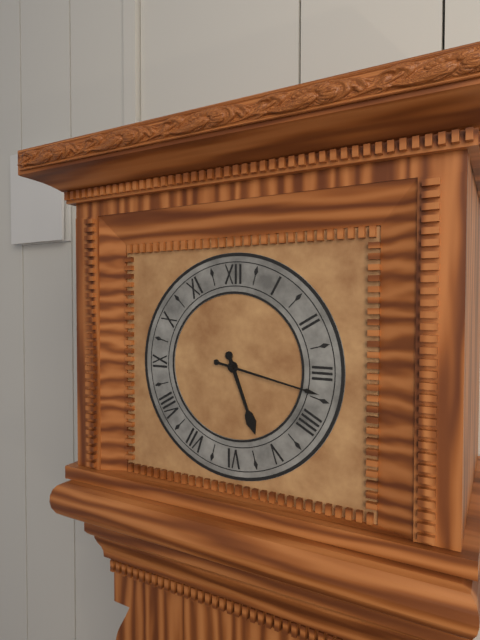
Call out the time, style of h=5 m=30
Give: h=5 m=17
